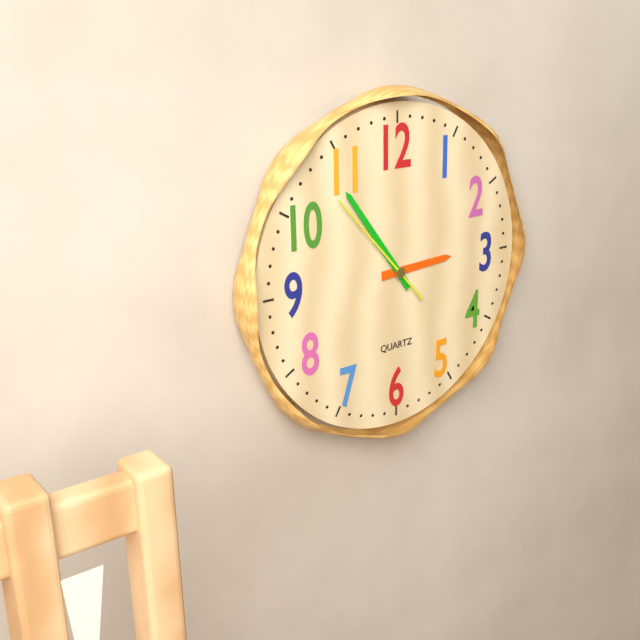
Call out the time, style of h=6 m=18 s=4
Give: h=2 m=54 s=53
